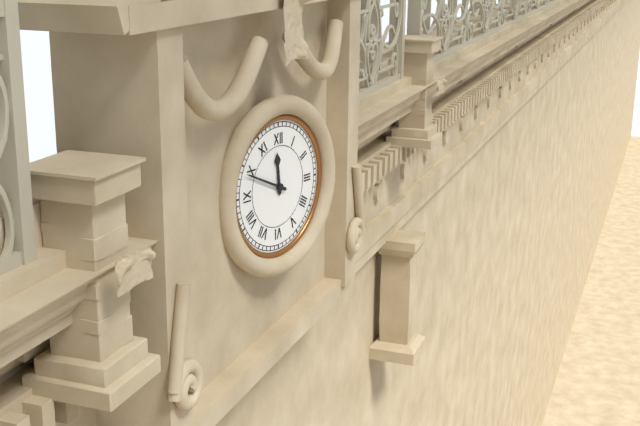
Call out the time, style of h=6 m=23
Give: h=11 m=49
